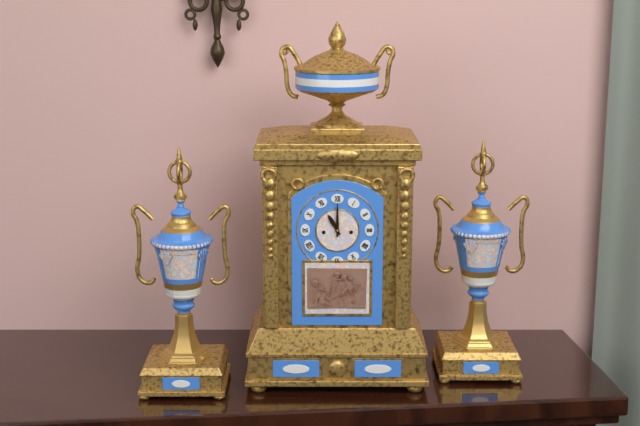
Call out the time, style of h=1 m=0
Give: h=11 m=0
